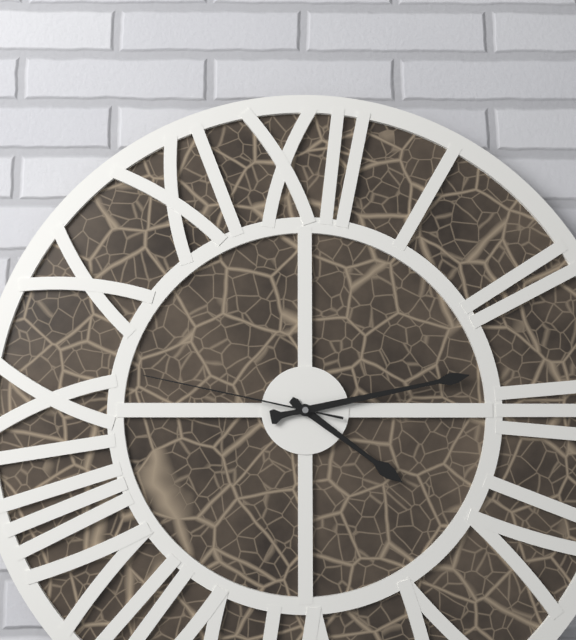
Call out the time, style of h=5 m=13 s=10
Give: h=4 m=13 s=47
